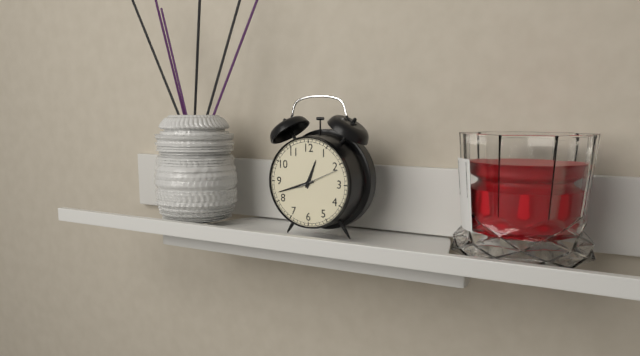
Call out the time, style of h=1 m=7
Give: h=12 m=42
